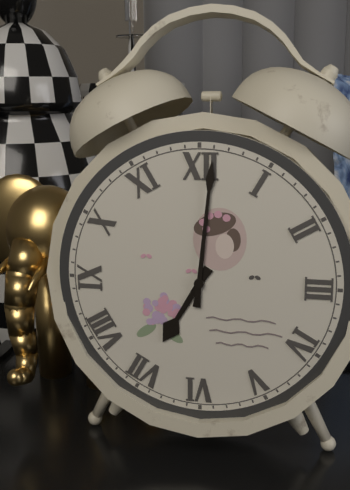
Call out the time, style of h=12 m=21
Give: h=7 m=1
